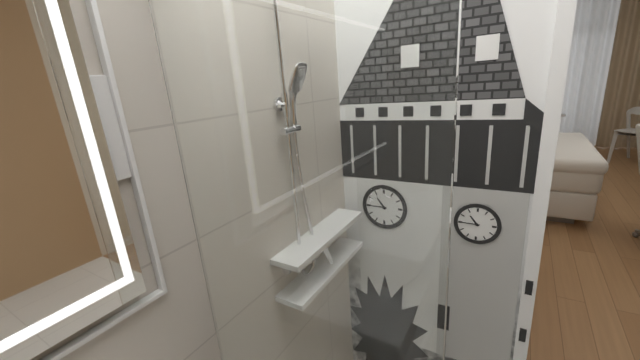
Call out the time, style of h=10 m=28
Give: h=10 m=45
